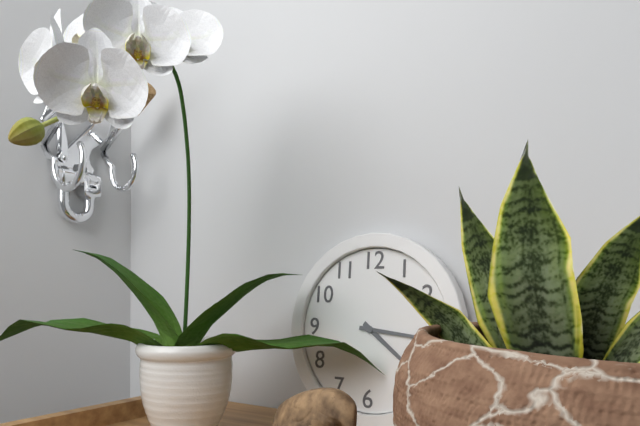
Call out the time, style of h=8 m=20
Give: h=4 m=16
